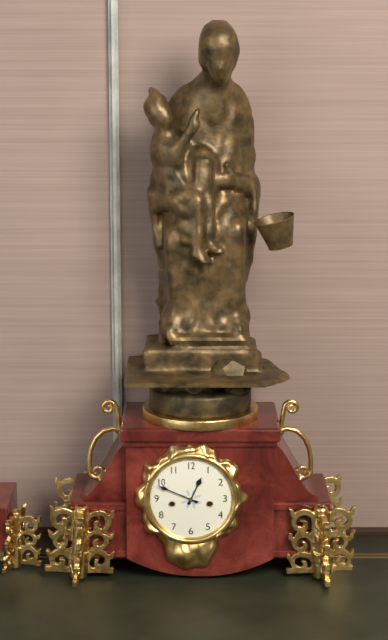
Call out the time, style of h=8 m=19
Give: h=12 m=49
